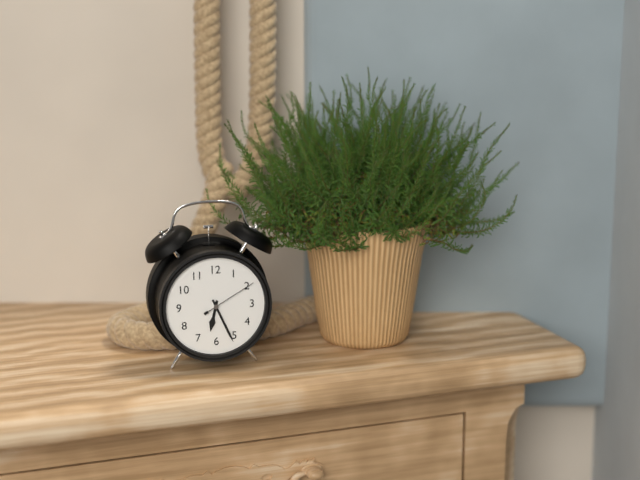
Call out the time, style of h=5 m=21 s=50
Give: h=6 m=26 s=10
